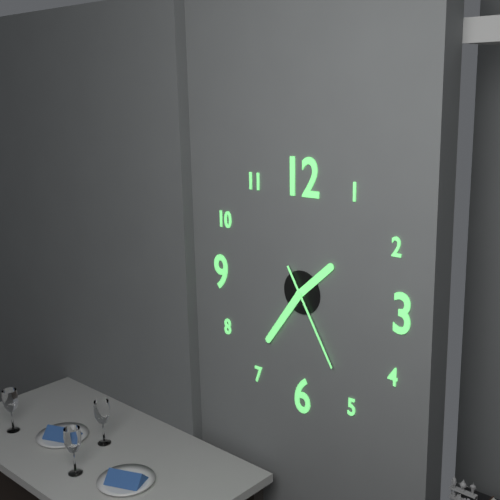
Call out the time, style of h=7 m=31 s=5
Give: h=1 m=36 s=25
